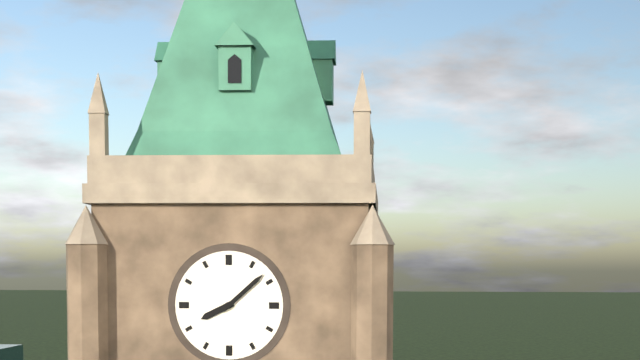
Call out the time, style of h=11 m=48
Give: h=8 m=8
